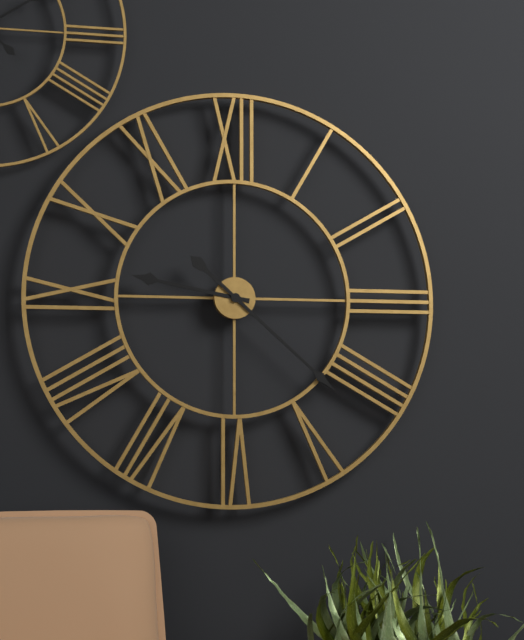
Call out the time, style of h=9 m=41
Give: h=9 m=22
